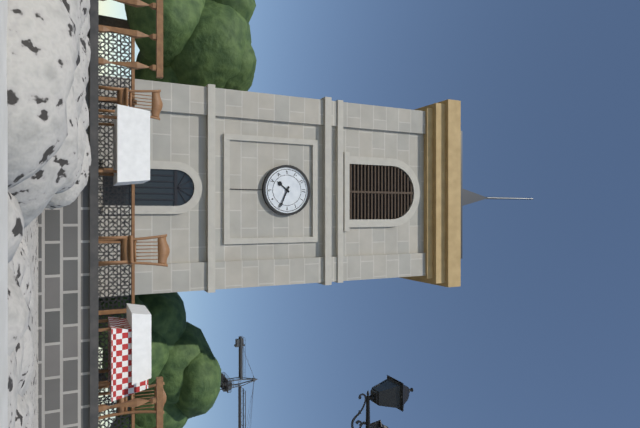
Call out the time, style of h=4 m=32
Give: h=7 m=19
